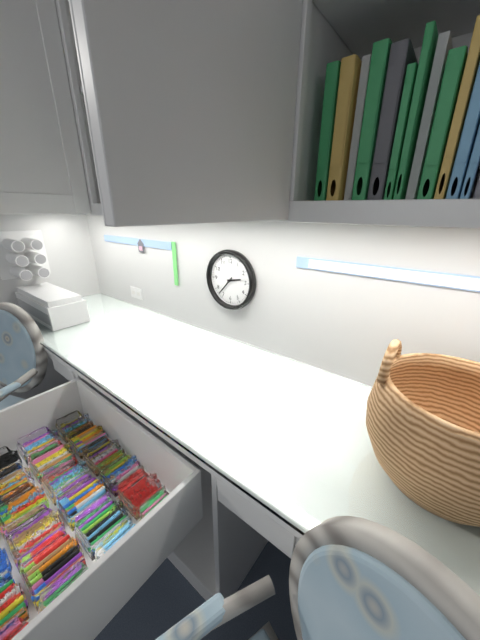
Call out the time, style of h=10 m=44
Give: h=2 m=37
